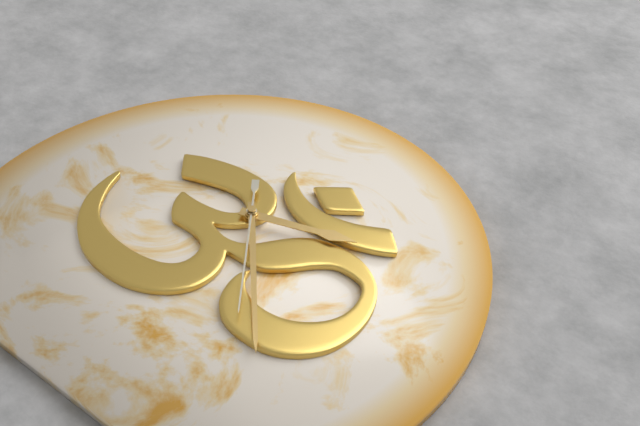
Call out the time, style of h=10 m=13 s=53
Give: h=2 m=23 s=24
